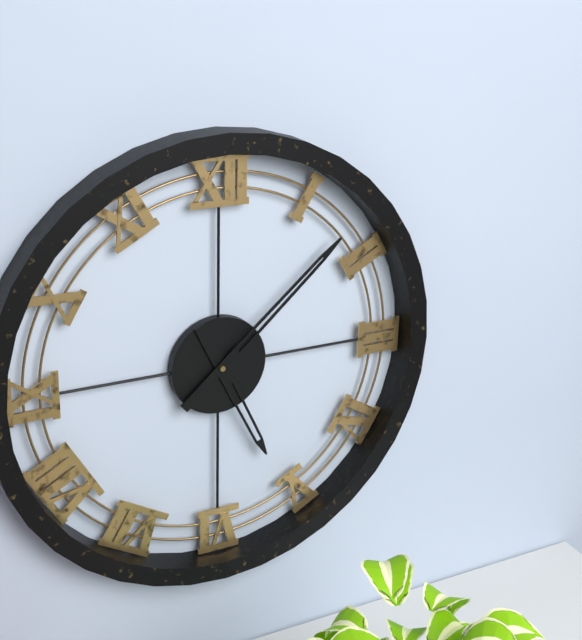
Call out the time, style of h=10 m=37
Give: h=5 m=8
